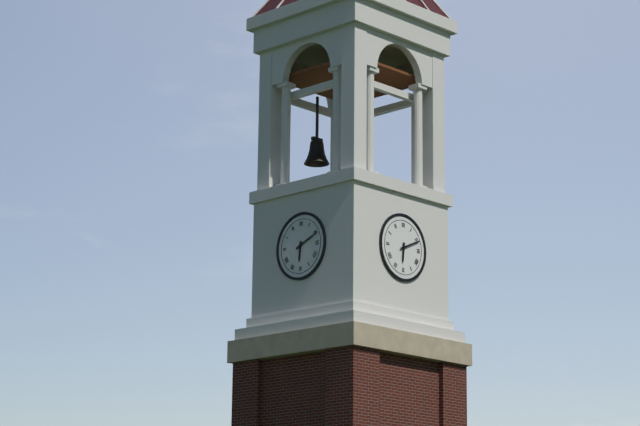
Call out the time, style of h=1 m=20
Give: h=6 m=11
